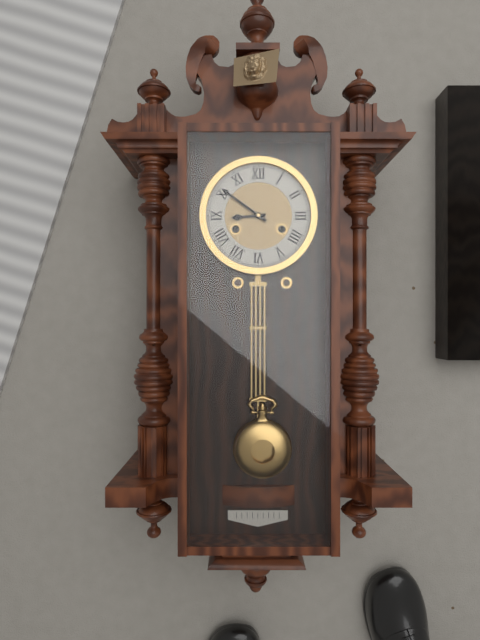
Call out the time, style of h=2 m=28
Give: h=8 m=51
